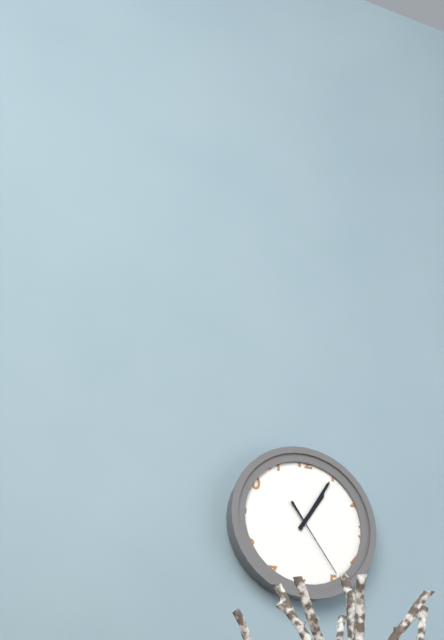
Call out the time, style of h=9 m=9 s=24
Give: h=1 m=5 s=24
